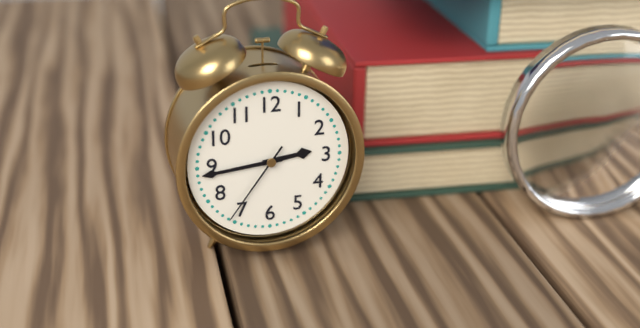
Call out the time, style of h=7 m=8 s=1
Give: h=2 m=44 s=36
